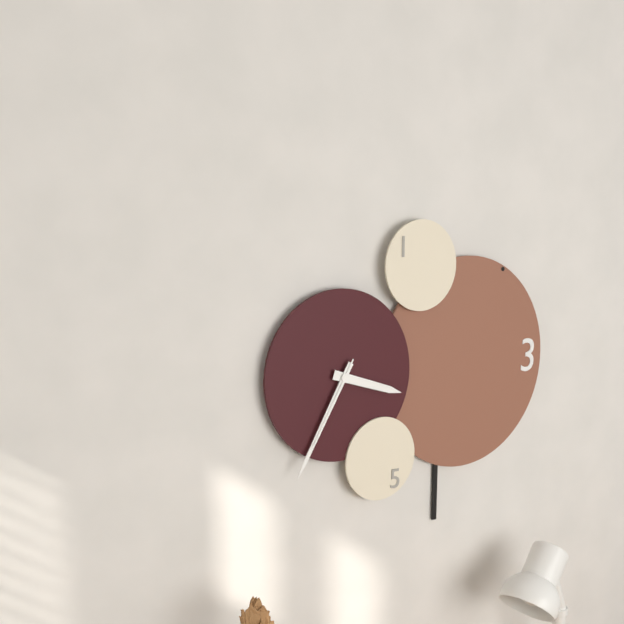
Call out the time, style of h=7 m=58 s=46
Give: h=3 m=35 s=35
